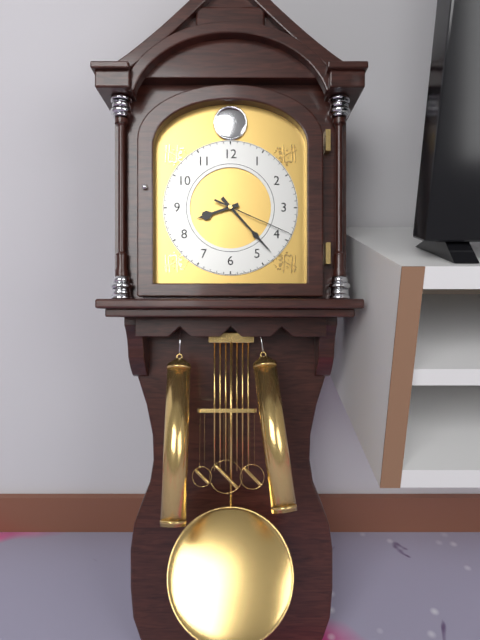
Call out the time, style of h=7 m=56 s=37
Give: h=8 m=23 s=19
